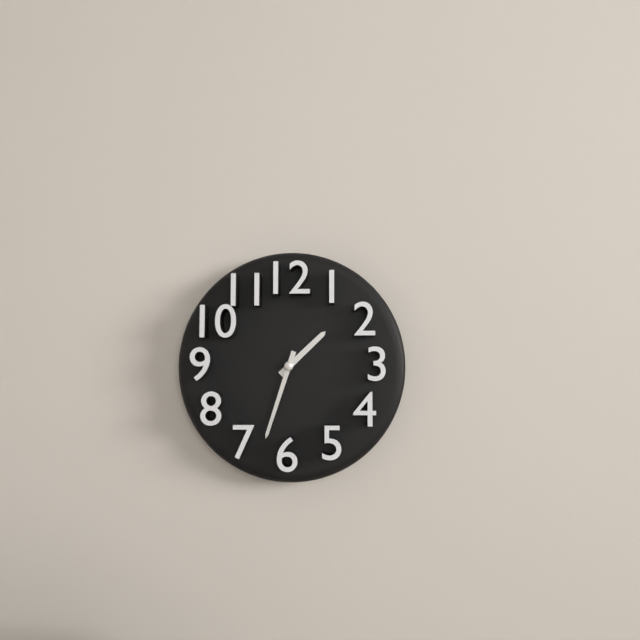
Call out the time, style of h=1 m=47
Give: h=1 m=33
